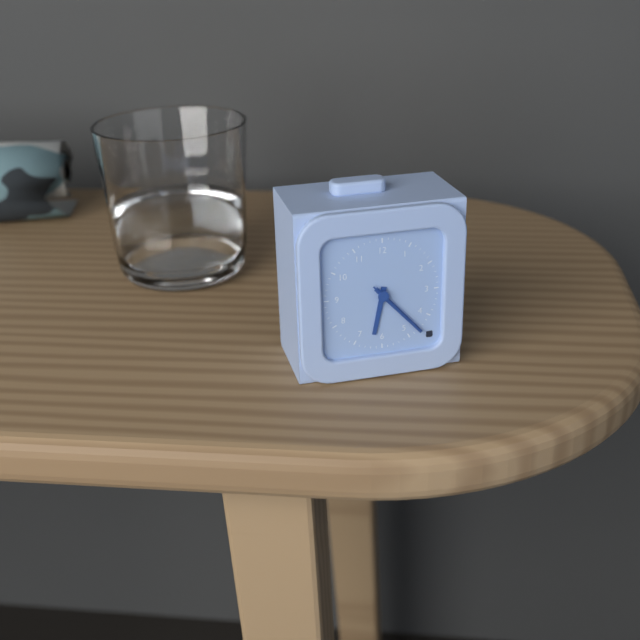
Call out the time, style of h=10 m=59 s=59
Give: h=6 m=23 s=23
